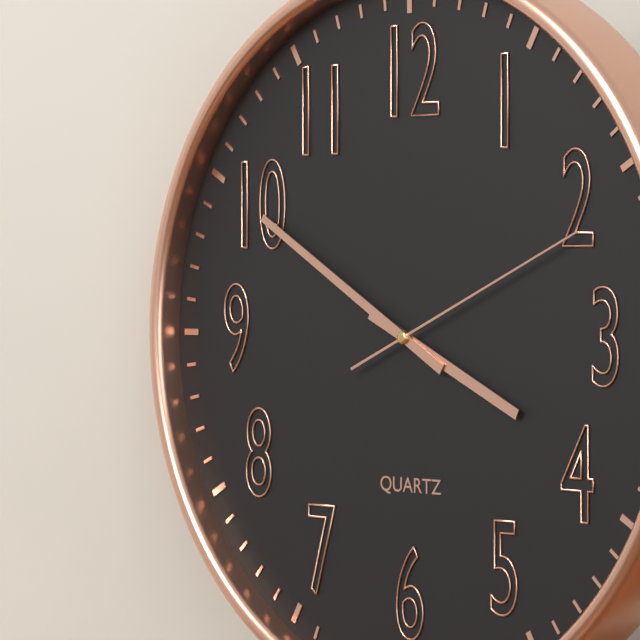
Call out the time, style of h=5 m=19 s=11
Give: h=3 m=50 s=11
